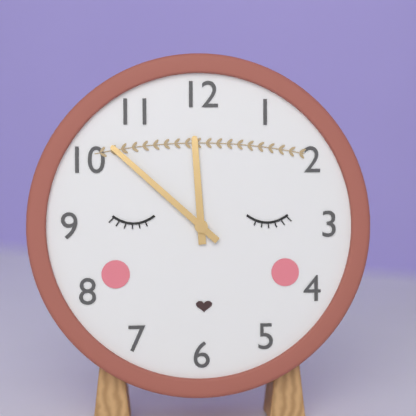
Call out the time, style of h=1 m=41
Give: h=11 m=52
